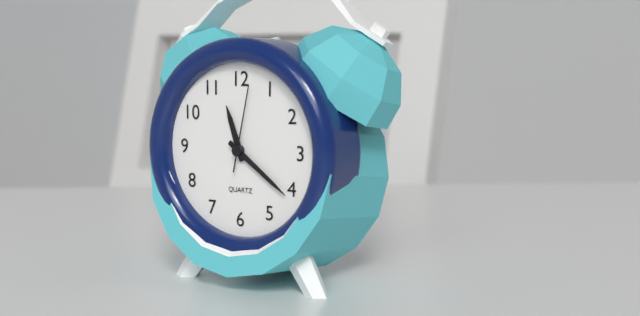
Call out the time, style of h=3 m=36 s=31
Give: h=11 m=21 s=2
